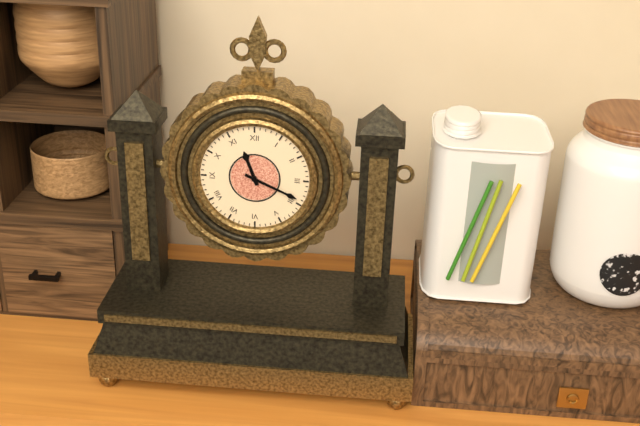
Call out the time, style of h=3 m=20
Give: h=11 m=19
